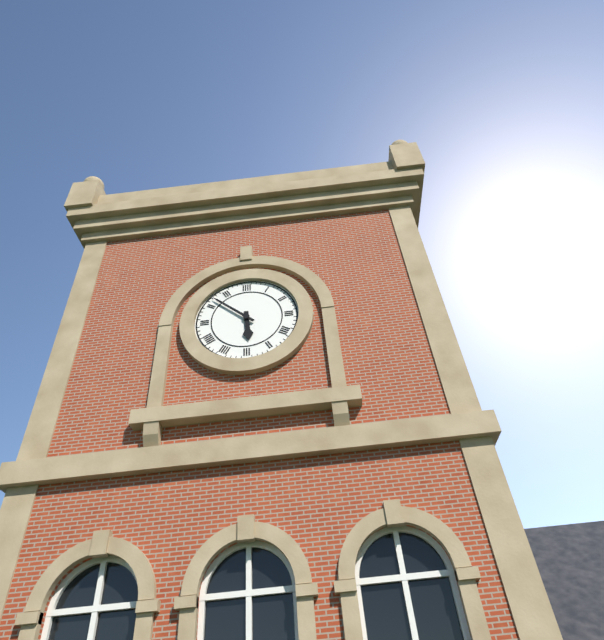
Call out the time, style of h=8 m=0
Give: h=5 m=52
